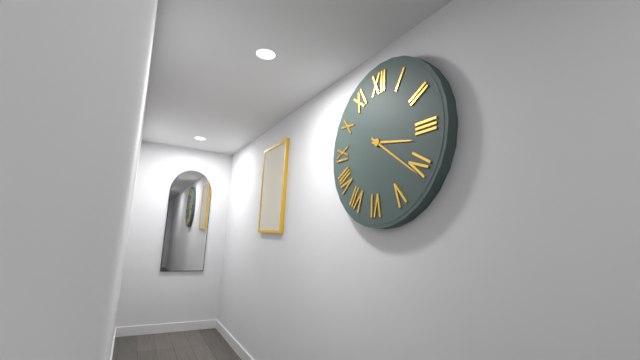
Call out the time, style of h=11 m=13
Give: h=3 m=21
